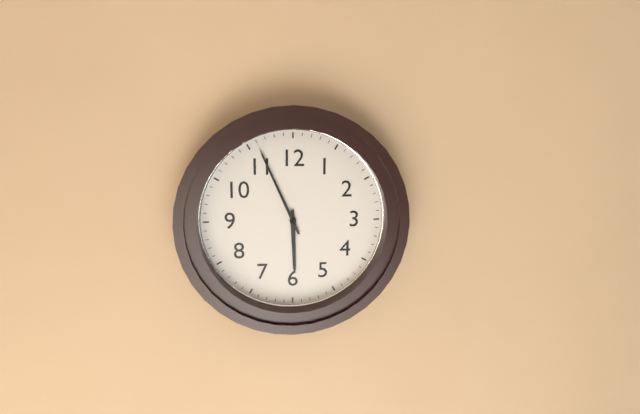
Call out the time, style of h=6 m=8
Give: h=5 m=56
